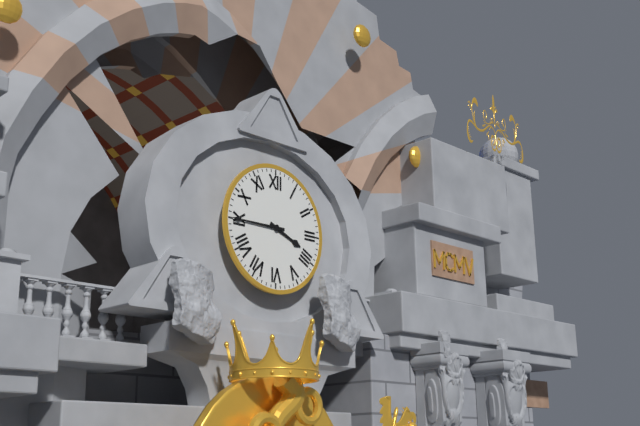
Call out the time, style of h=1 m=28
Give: h=3 m=45
